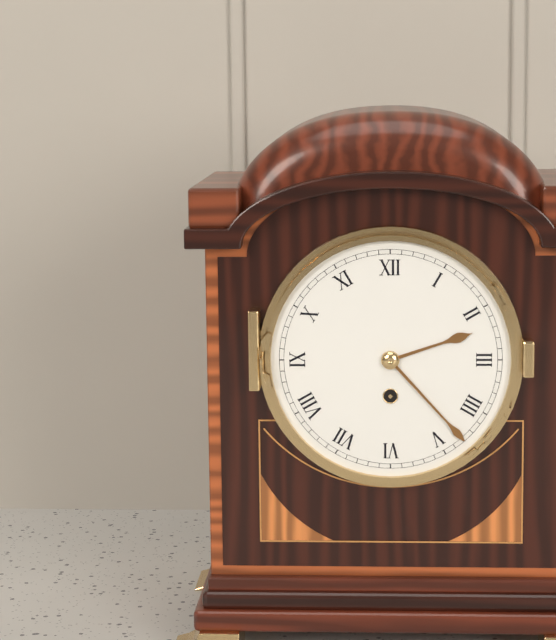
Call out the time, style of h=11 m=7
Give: h=2 m=23
